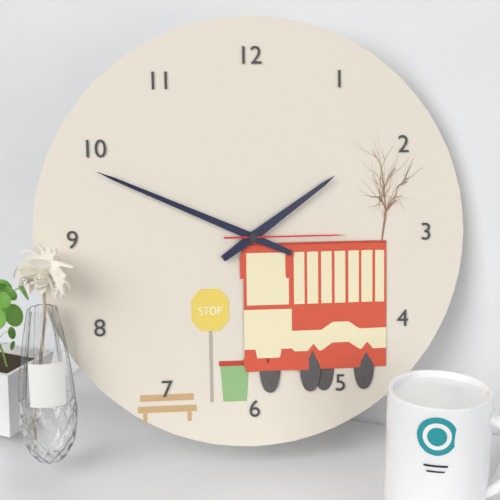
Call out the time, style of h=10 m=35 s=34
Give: h=1 m=49 s=15
